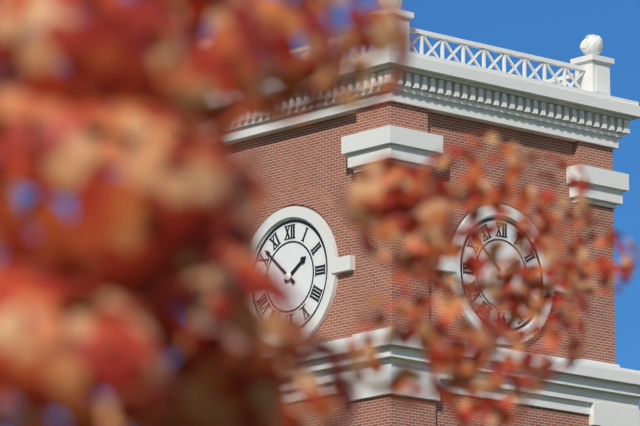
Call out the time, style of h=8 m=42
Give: h=1 m=52
